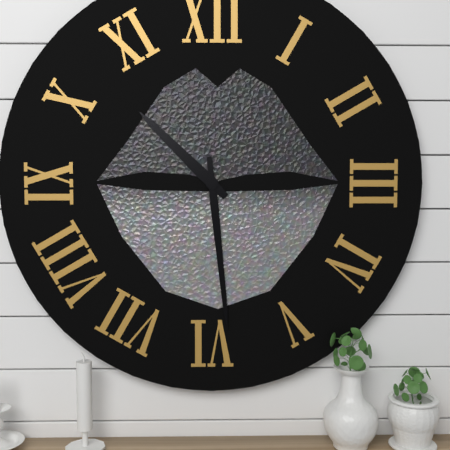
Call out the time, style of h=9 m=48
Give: h=10 m=29
